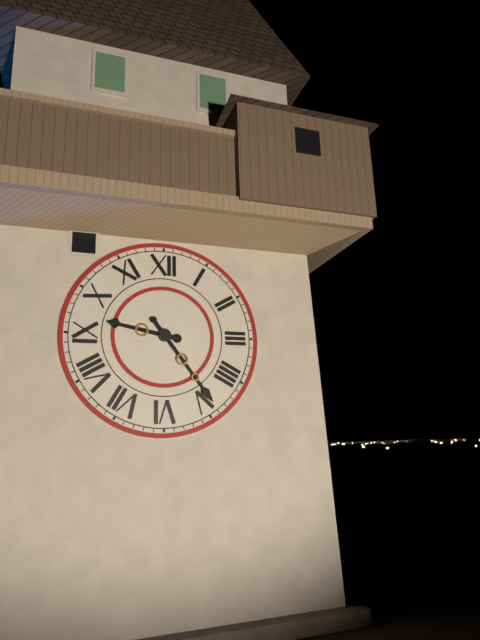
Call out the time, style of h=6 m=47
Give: h=9 m=24
